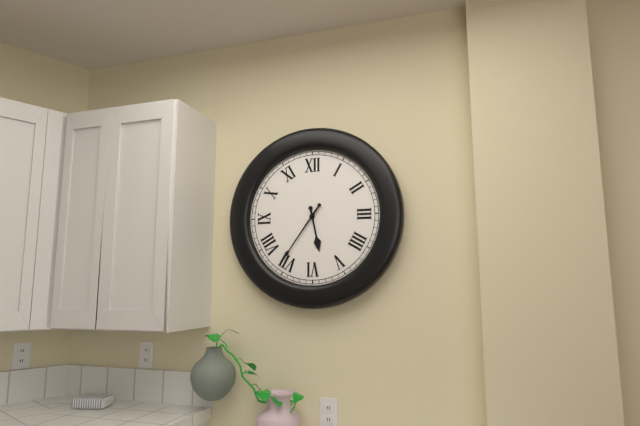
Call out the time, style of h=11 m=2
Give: h=5 m=36
